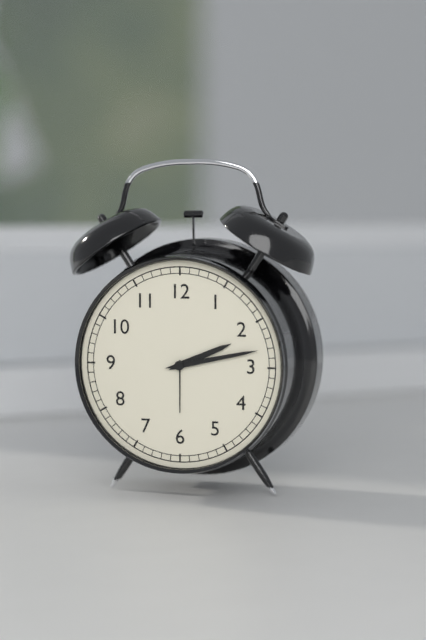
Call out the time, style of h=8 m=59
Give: h=2 m=13
